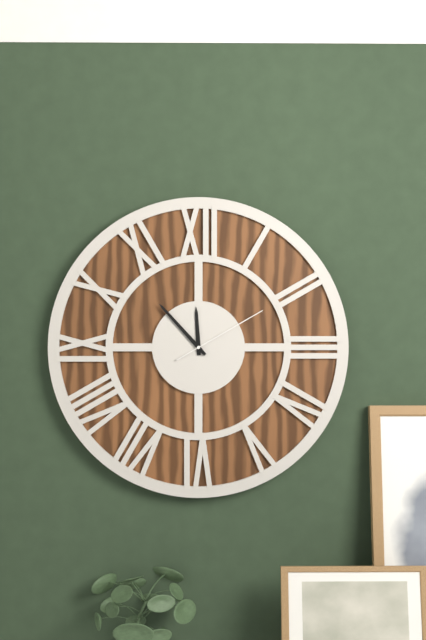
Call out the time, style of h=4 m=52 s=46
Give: h=11 m=53 s=10
